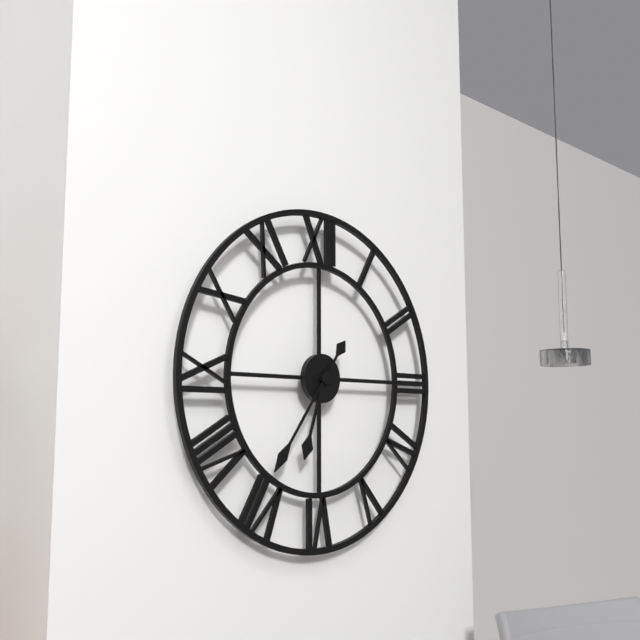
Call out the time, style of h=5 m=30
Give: h=6 m=36
